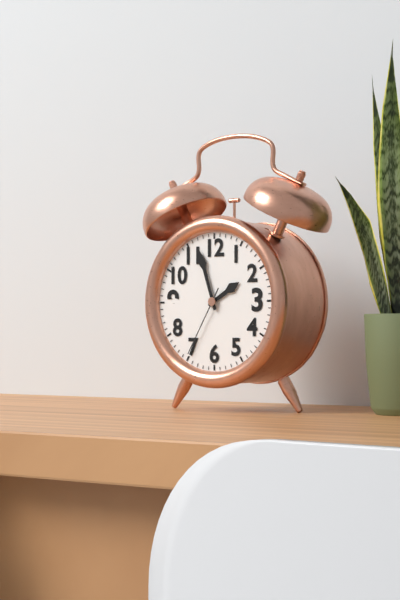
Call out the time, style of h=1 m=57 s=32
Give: h=1 m=57 s=35
